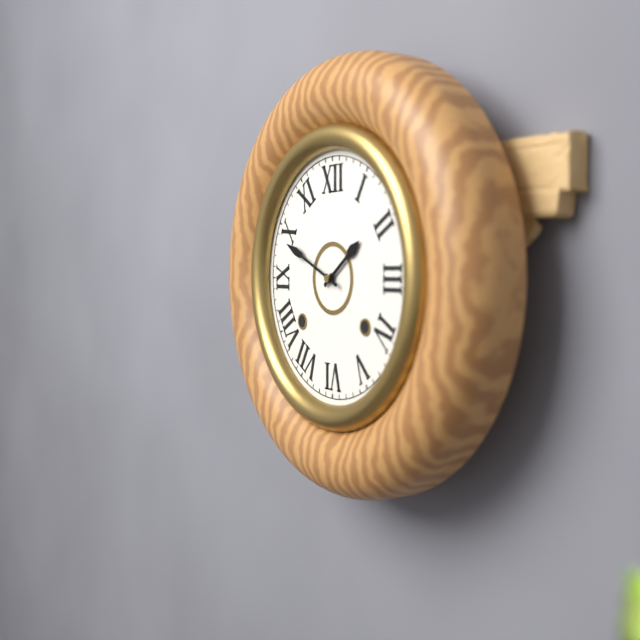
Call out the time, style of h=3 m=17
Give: h=1 m=49
